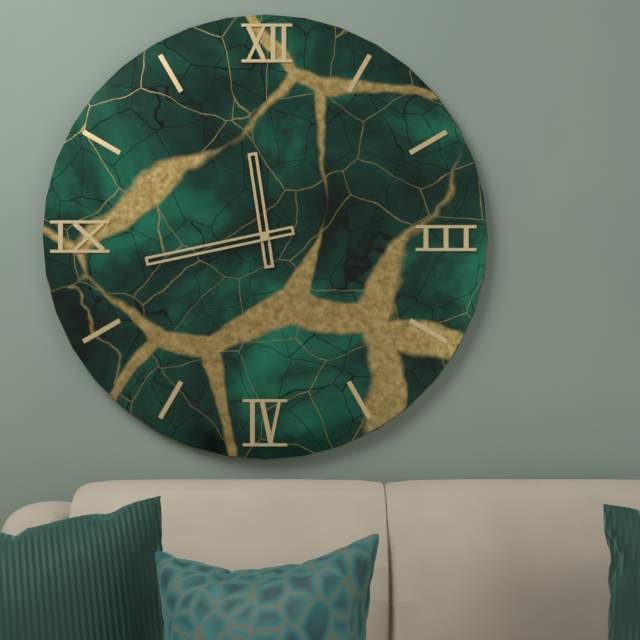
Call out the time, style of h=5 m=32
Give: h=11 m=43
